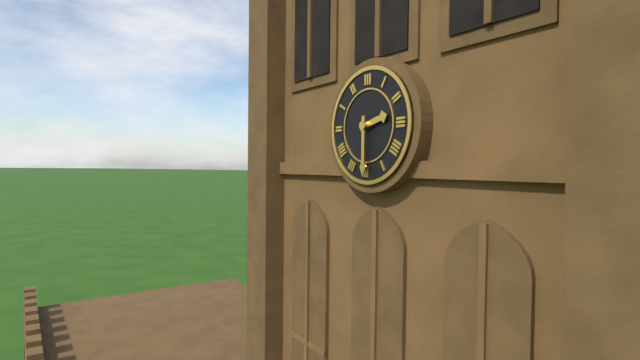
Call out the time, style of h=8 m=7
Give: h=2 m=30
